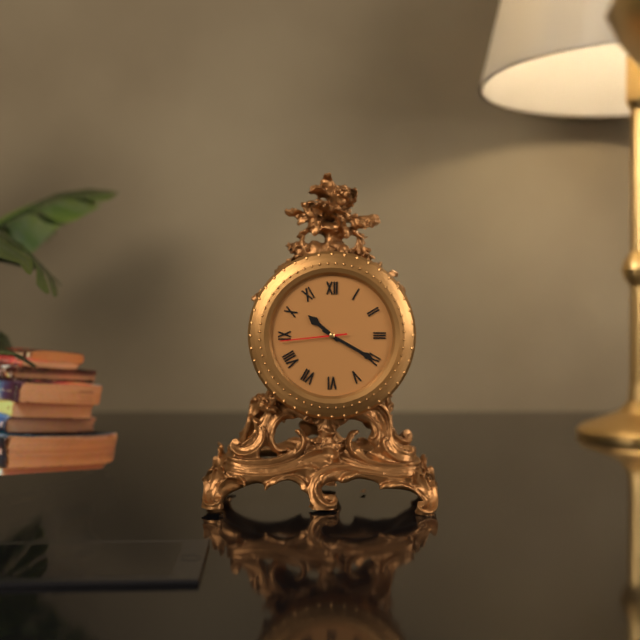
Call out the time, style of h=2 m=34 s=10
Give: h=10 m=20 s=44
